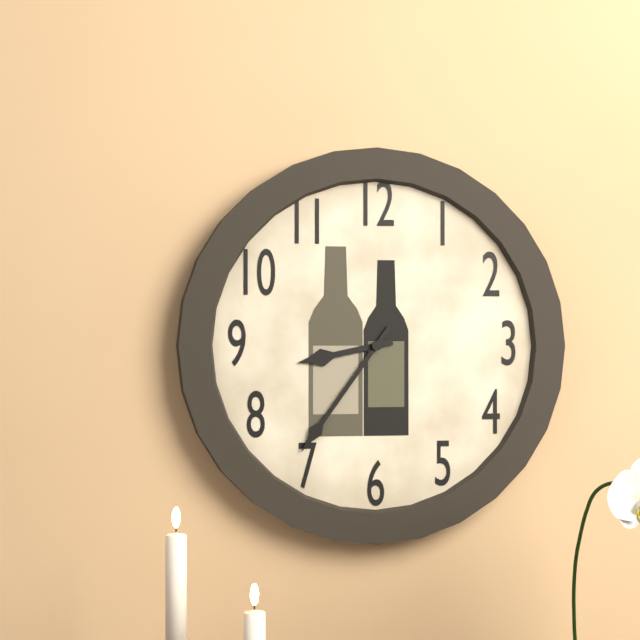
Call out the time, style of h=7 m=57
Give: h=8 m=36
